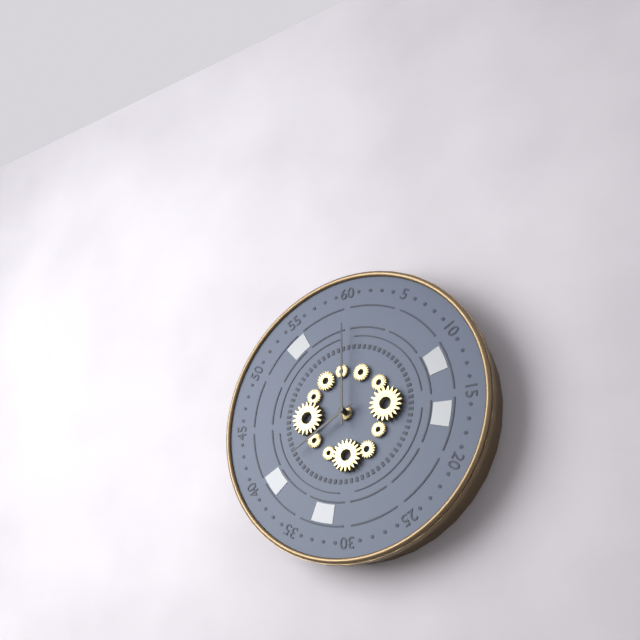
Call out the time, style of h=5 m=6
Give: h=8 m=0
